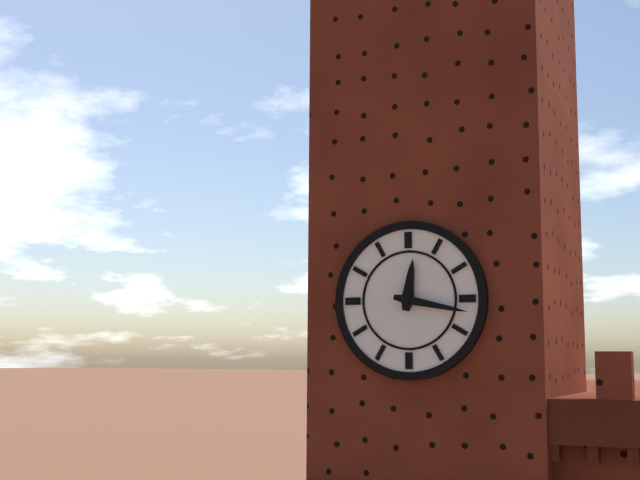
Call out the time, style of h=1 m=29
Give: h=12 m=17
